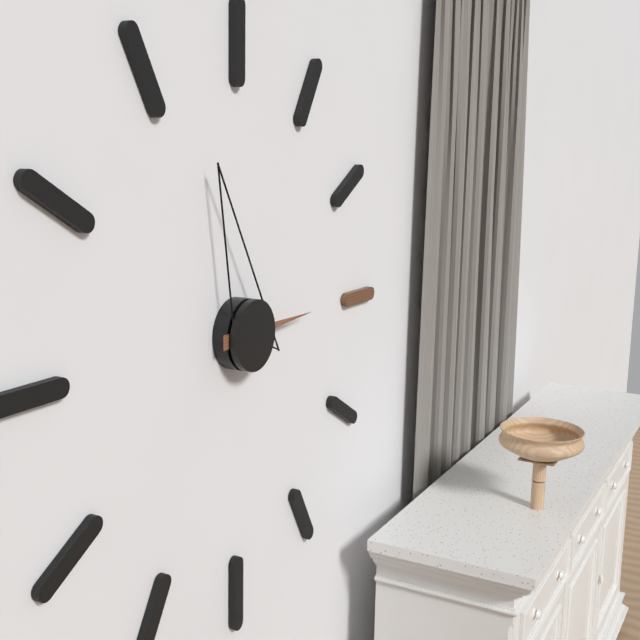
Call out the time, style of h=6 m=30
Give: h=2 m=57
